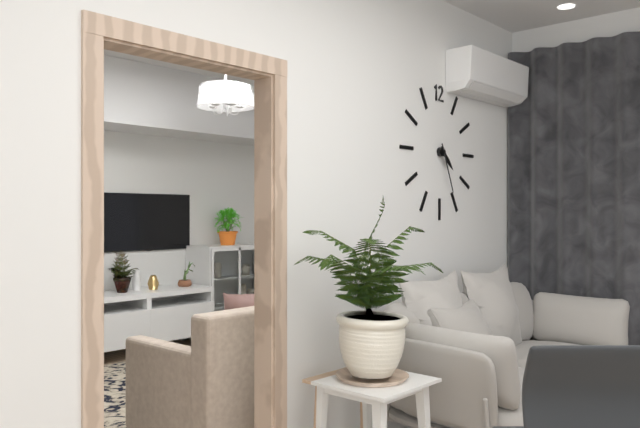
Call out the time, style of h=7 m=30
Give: h=4 m=26
